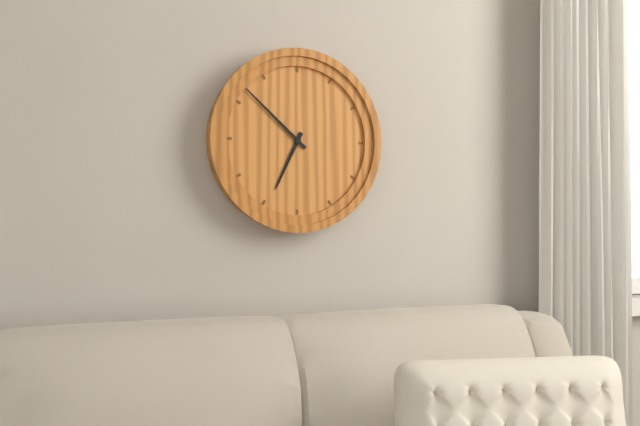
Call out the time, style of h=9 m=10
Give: h=6 m=52
